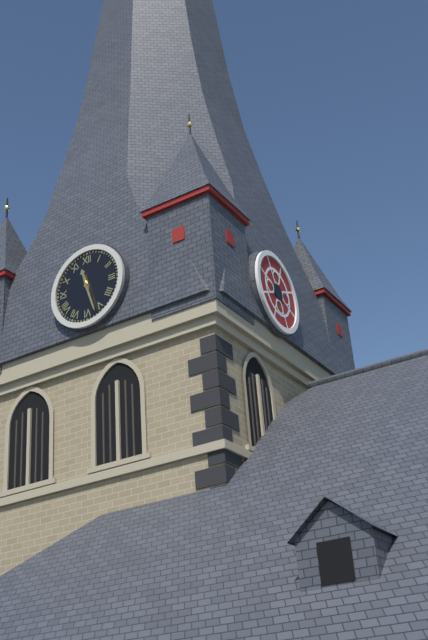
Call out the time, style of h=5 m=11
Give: h=11 m=27
